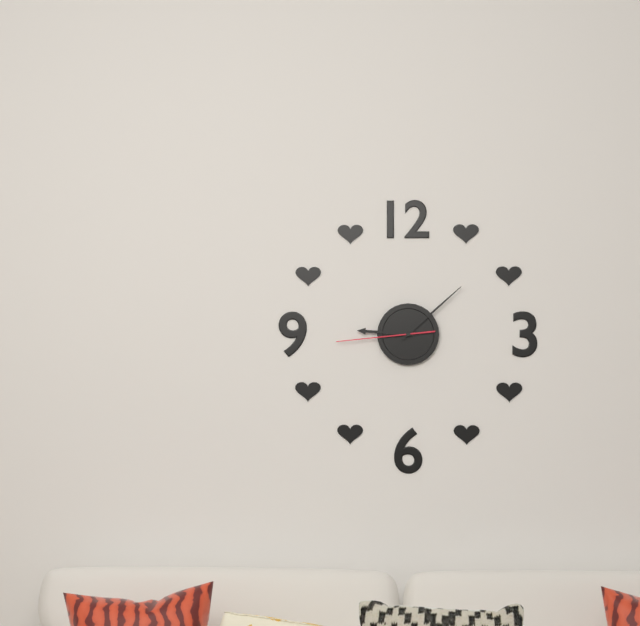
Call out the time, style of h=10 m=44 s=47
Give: h=9 m=8 s=44
